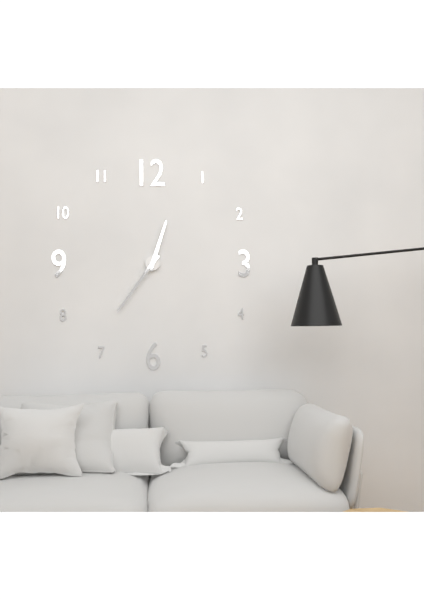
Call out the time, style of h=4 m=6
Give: h=12 m=36
